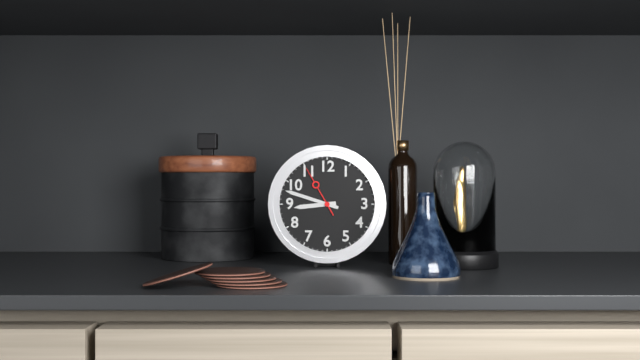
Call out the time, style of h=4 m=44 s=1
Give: h=8 m=48 s=55
